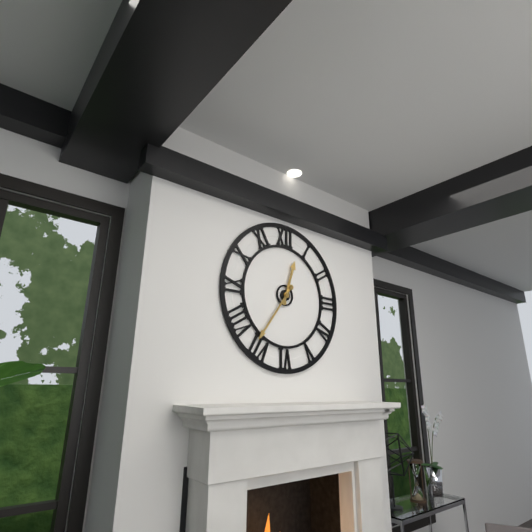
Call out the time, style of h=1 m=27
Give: h=12 m=36
